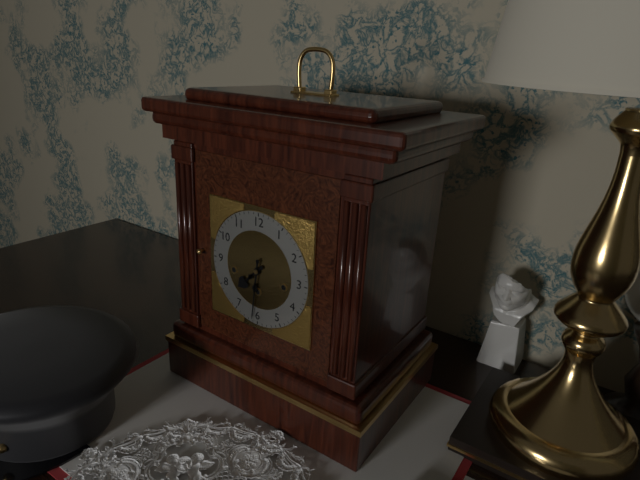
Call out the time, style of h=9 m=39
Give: h=7 m=31
